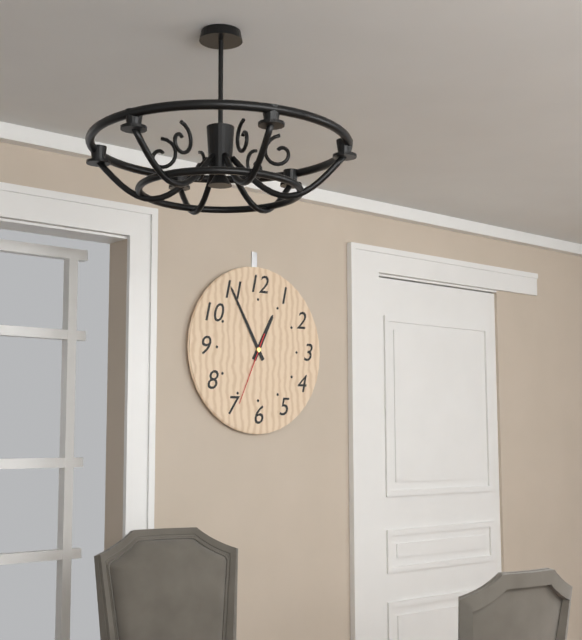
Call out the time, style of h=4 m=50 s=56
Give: h=12 m=55 s=34
